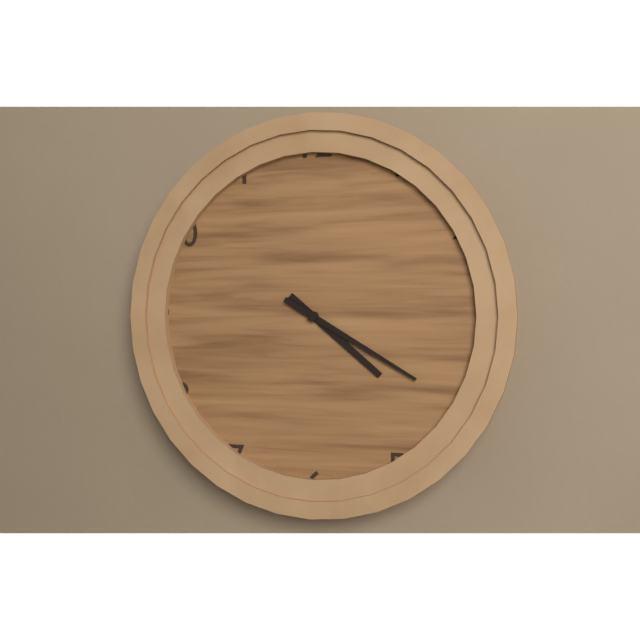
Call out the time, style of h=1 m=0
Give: h=4 m=20
